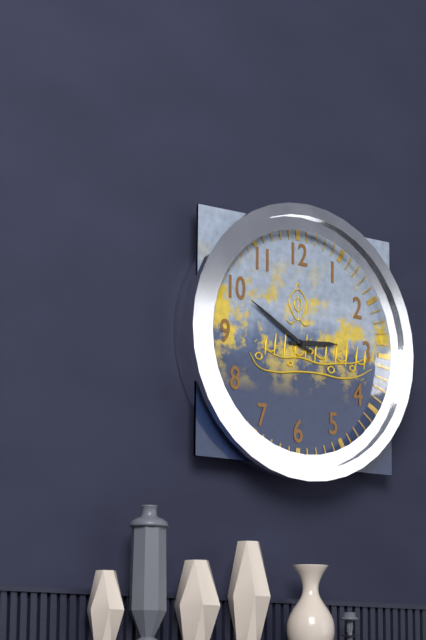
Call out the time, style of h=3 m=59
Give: h=2 m=50
